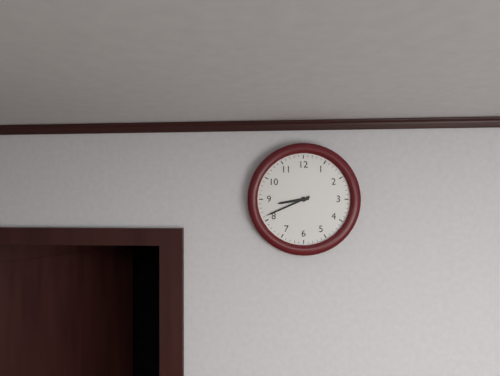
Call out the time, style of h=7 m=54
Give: h=8 m=41
